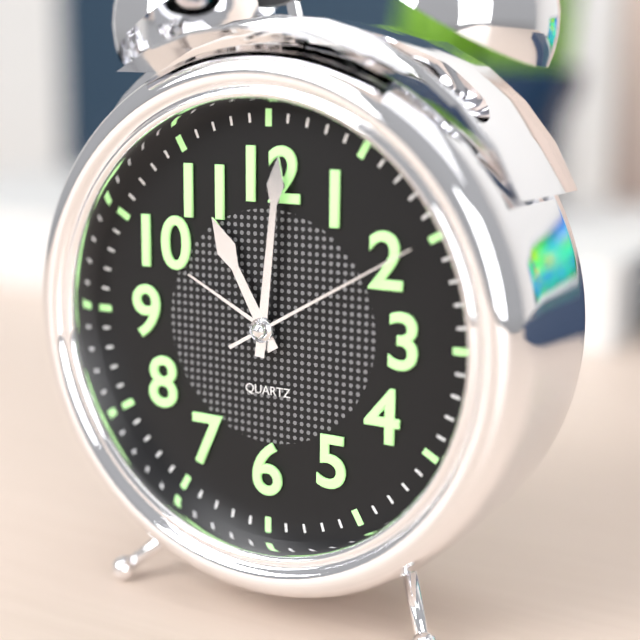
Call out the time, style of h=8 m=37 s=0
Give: h=11 m=1 s=10
